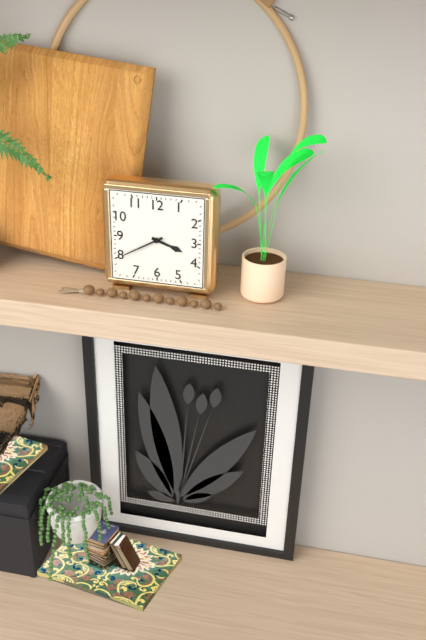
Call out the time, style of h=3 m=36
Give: h=3 m=40
